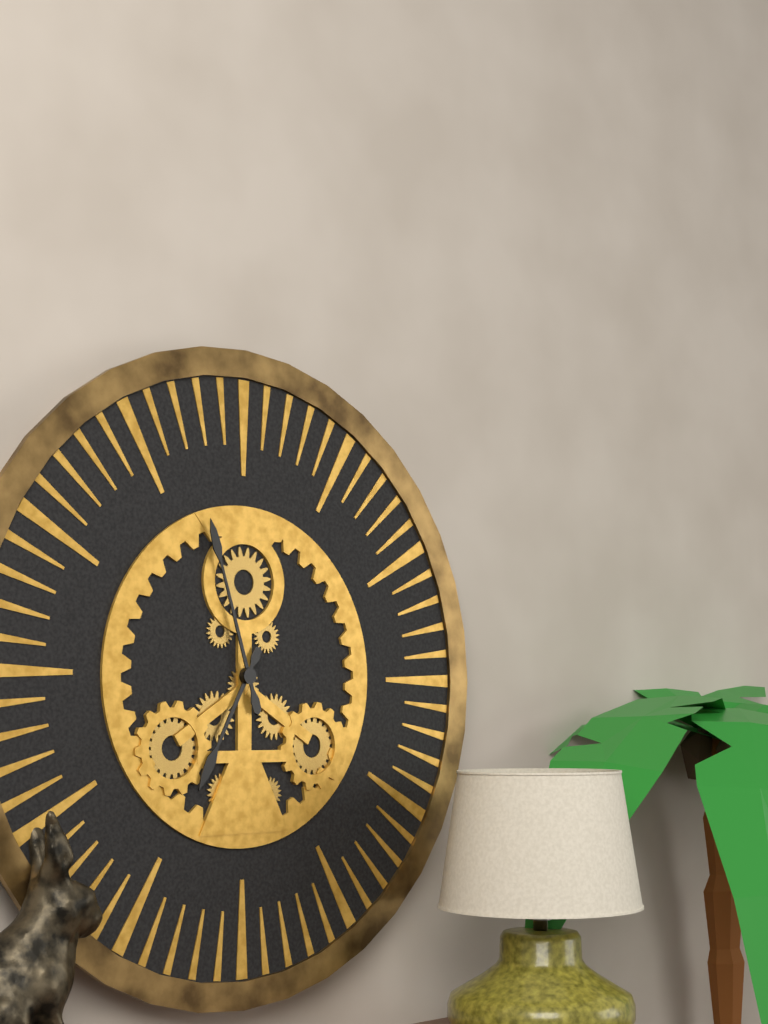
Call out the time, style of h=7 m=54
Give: h=6 m=57
